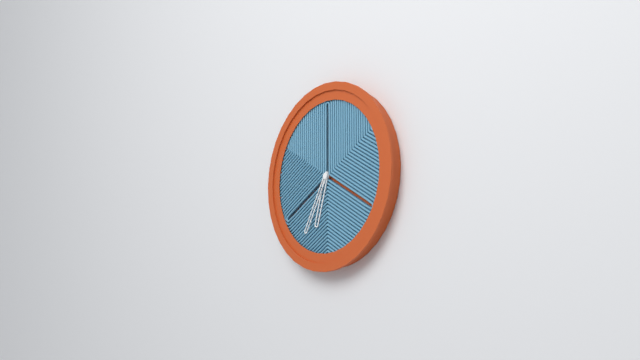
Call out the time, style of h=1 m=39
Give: h=6 m=35
